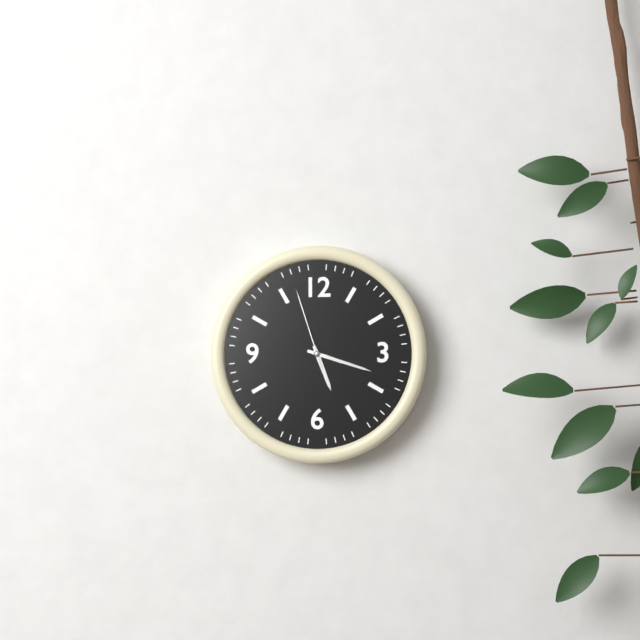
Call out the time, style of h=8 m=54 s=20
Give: h=5 m=18 s=57
